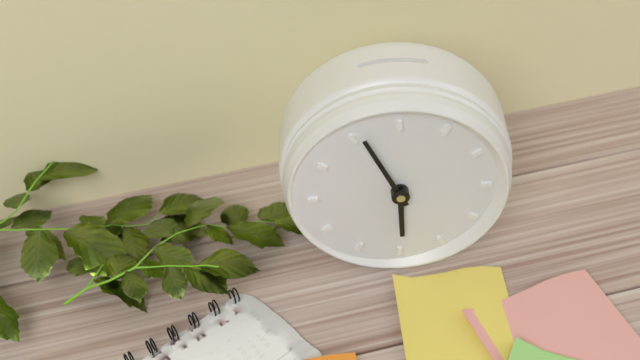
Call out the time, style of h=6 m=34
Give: h=5 m=56
